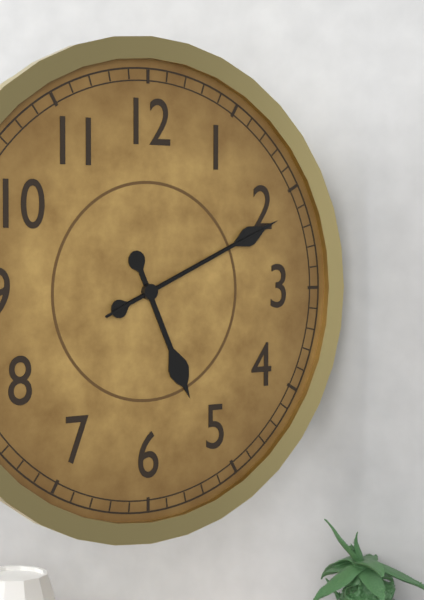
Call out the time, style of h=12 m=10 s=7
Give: h=5 m=11 s=11
